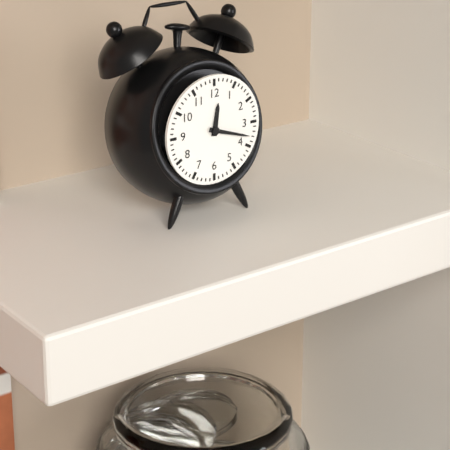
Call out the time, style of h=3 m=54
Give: h=12 m=18
